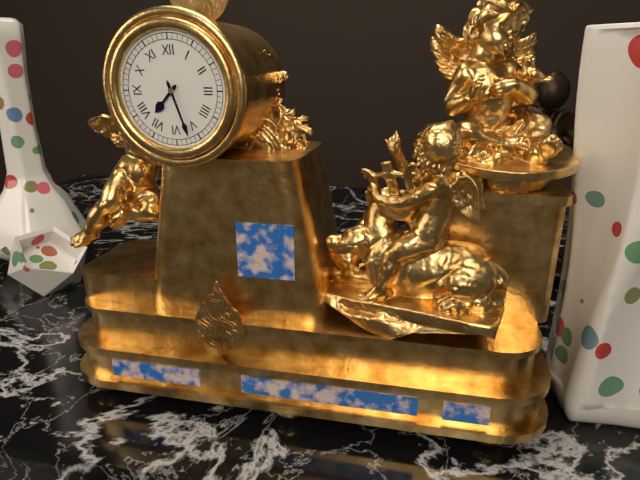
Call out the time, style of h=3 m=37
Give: h=7 m=27
